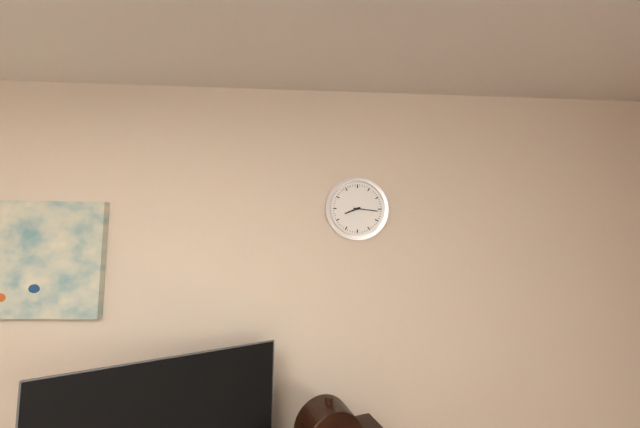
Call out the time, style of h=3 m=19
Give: h=8 m=16
